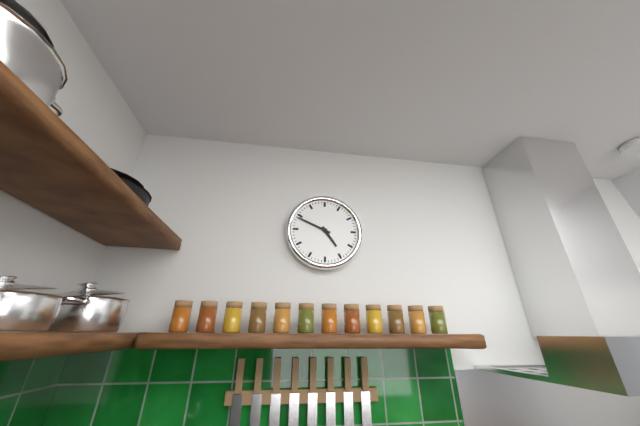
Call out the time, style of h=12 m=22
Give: h=4 m=49
